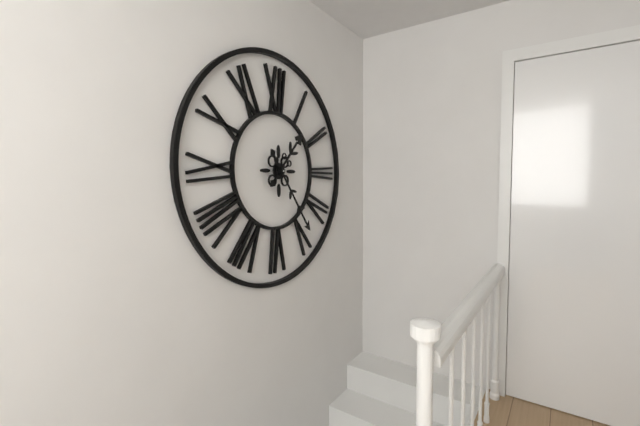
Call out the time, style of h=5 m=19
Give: h=1 m=24
